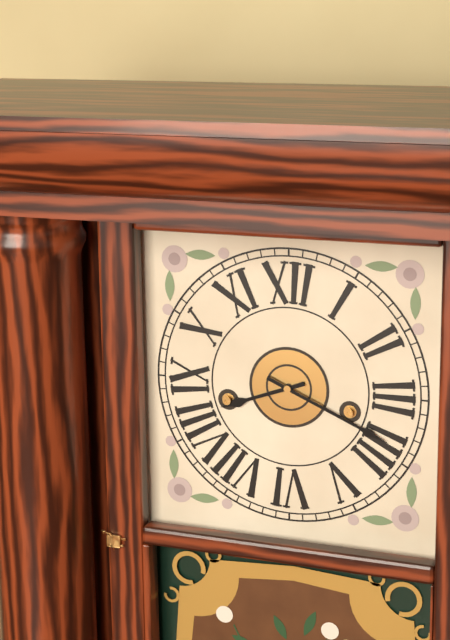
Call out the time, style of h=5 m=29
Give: h=8 m=19
